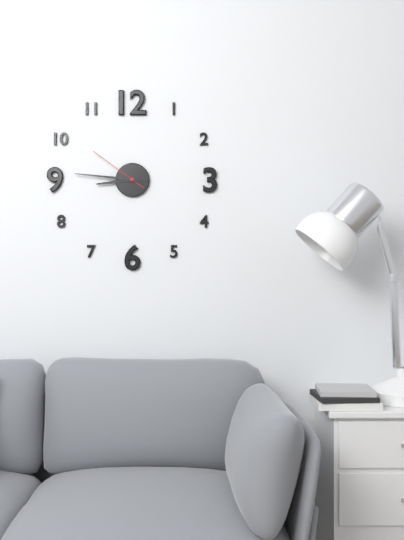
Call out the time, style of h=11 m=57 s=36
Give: h=8 m=46 s=51
